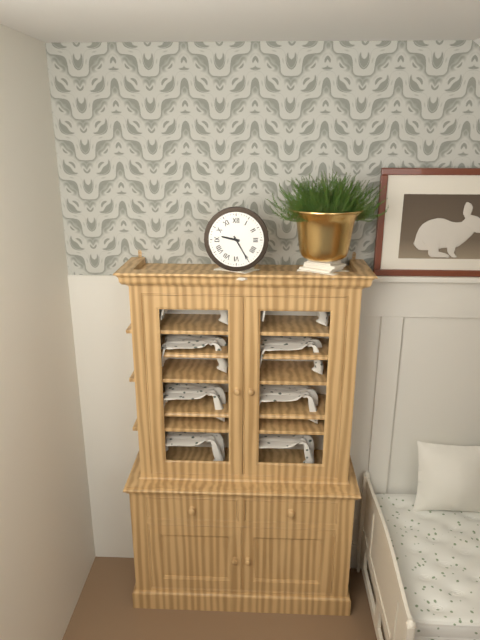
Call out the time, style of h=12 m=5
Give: h=9 m=25
